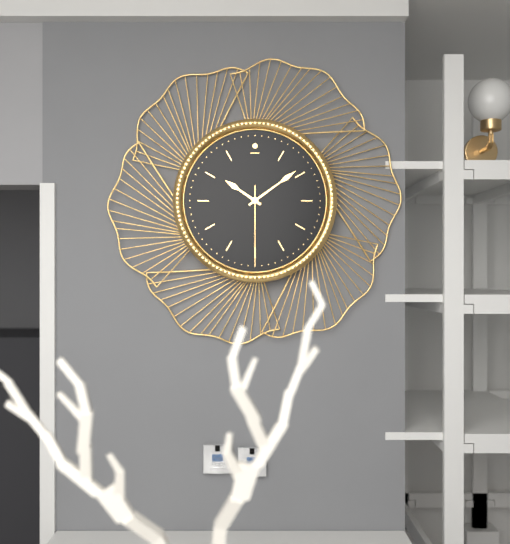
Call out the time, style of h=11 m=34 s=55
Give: h=10 m=9 s=30
